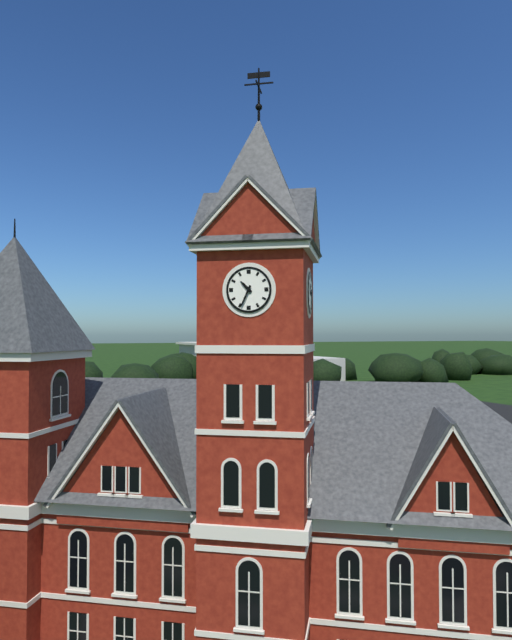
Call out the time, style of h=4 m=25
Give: h=10 m=34
